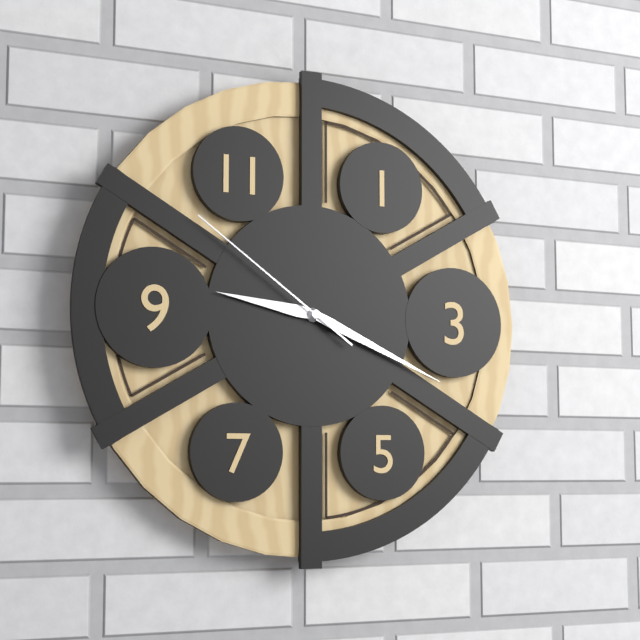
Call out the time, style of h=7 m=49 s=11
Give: h=9 m=19 s=51
